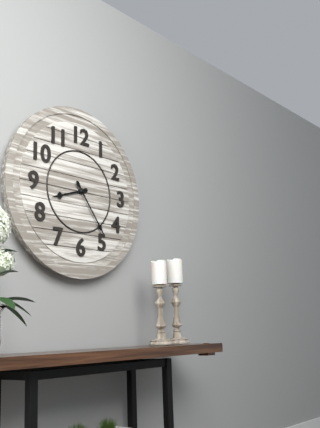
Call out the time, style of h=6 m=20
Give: h=8 m=24
